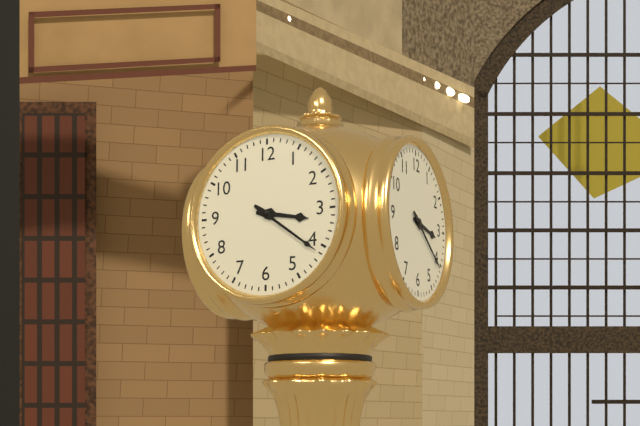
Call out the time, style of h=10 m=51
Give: h=3 m=21
